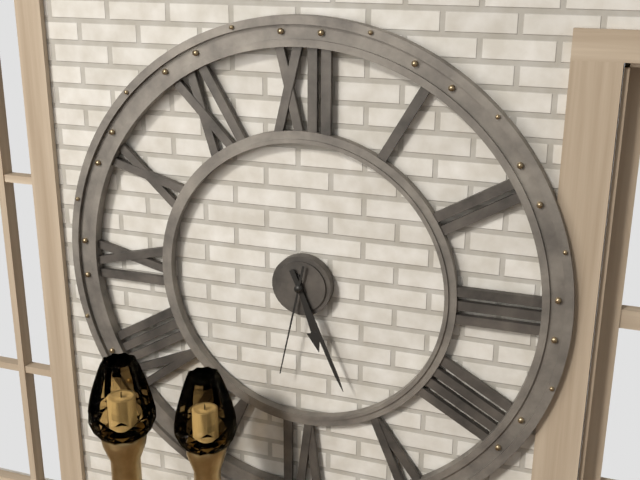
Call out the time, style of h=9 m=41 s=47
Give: h=5 m=26 s=32
